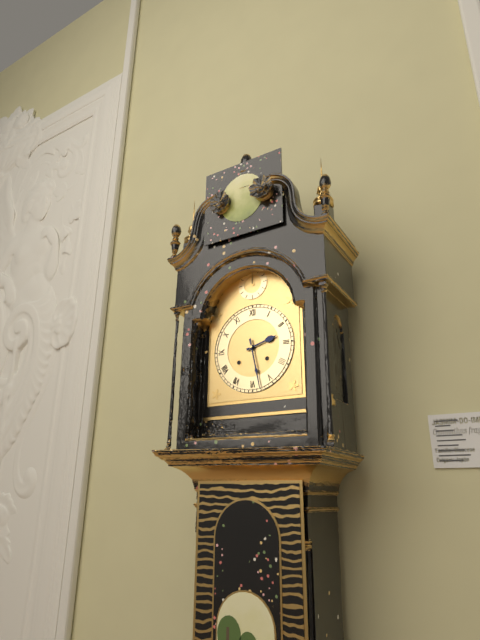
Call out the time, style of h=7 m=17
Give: h=2 m=28
